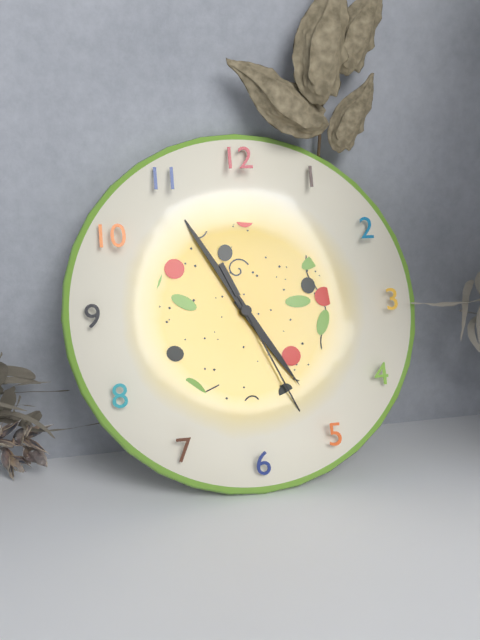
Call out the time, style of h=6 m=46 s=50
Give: h=4 m=55 s=26
